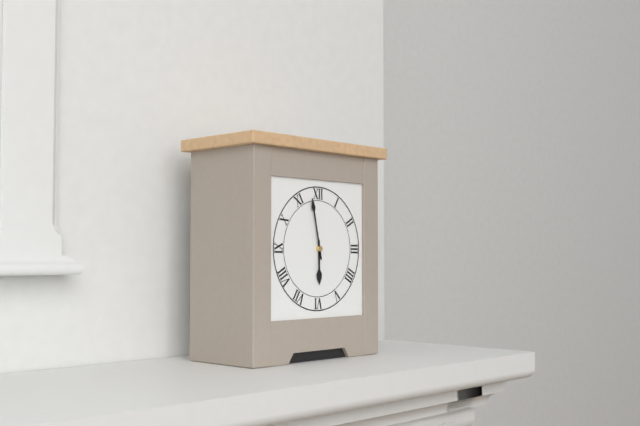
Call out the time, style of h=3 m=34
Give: h=5 m=58
